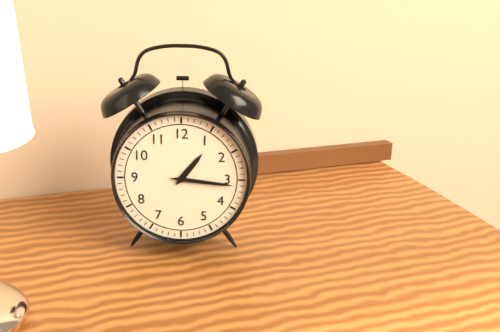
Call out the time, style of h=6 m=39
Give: h=1 m=16
